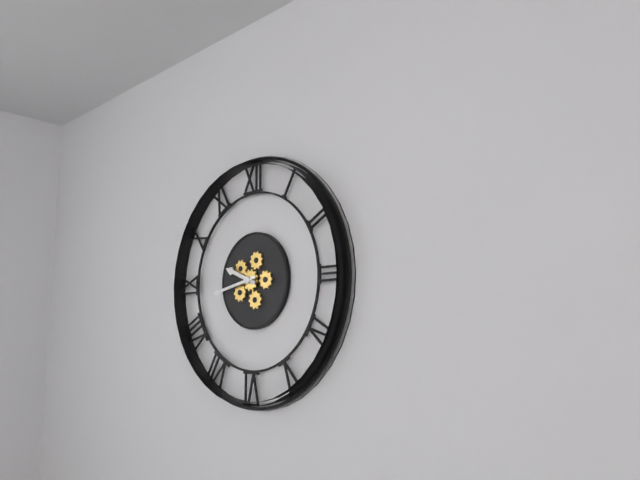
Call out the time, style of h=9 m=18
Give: h=9 m=43
